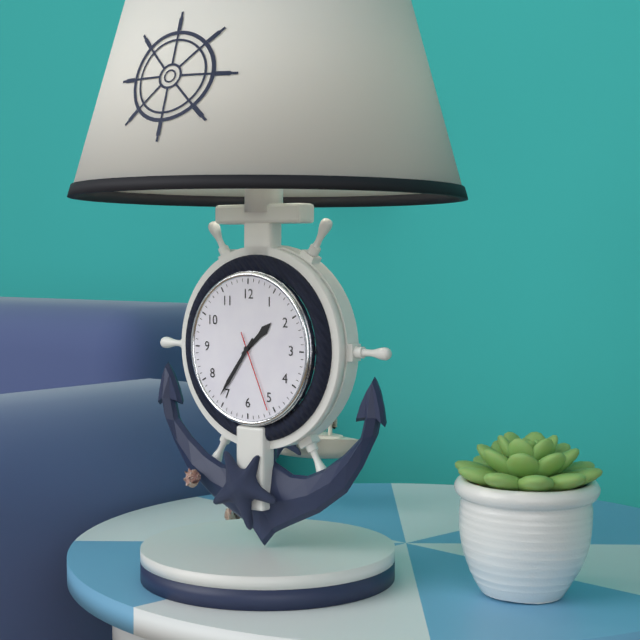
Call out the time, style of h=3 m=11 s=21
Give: h=1 m=36 s=26
